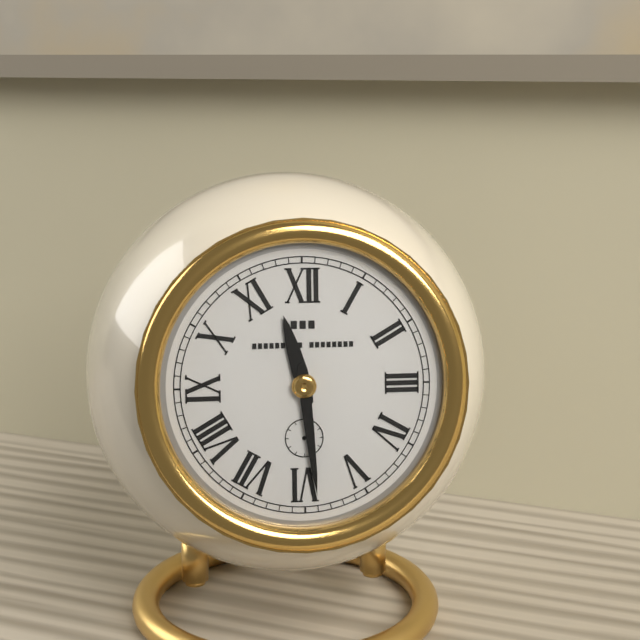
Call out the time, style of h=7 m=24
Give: h=11 m=29
